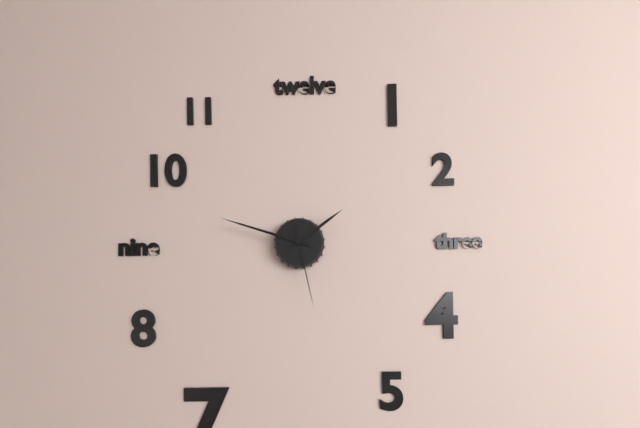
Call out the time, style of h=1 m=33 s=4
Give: h=1 m=48 s=28
